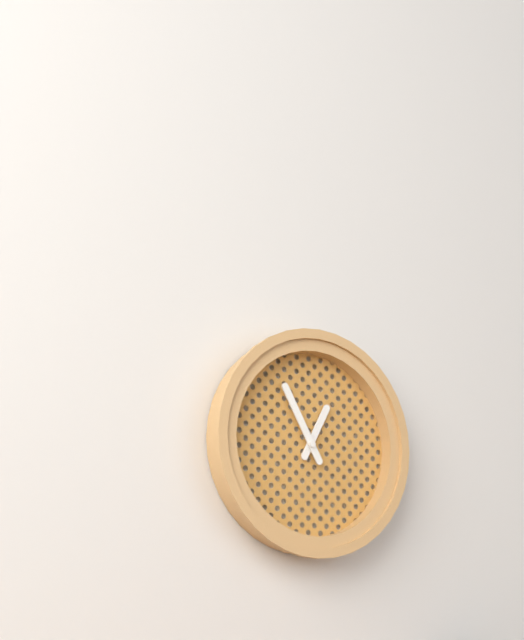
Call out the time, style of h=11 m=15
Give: h=12 m=55
